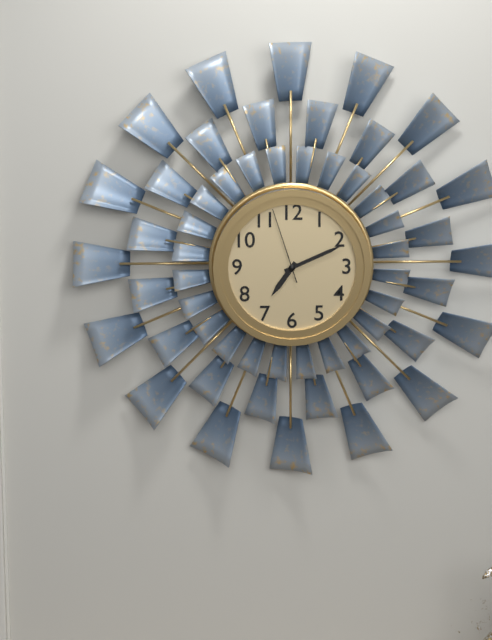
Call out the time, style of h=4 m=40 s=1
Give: h=7 m=11 s=57
